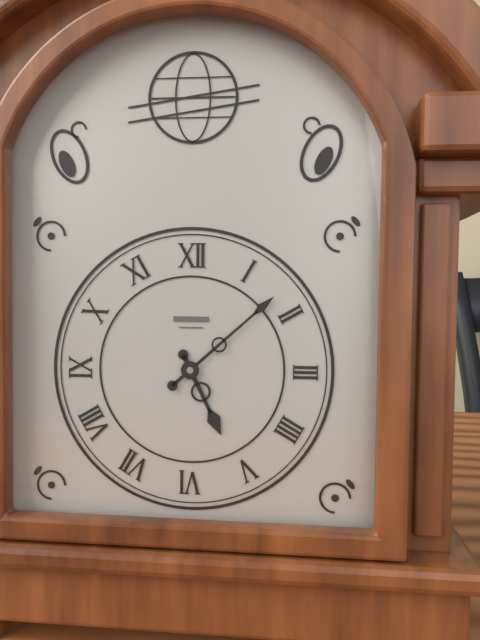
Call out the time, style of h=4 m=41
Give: h=5 m=8
